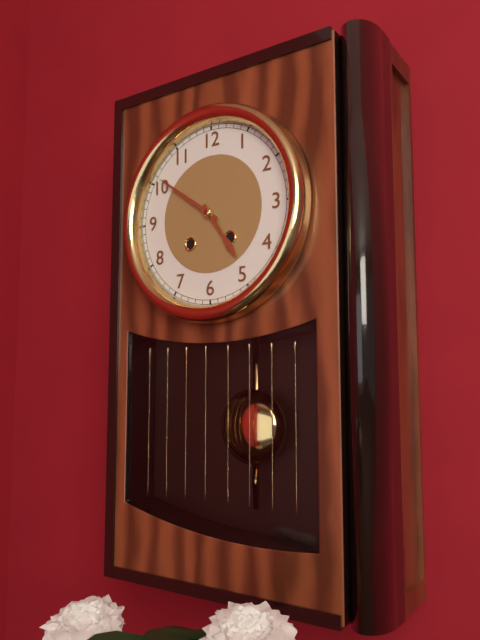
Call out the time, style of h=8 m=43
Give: h=4 m=51
